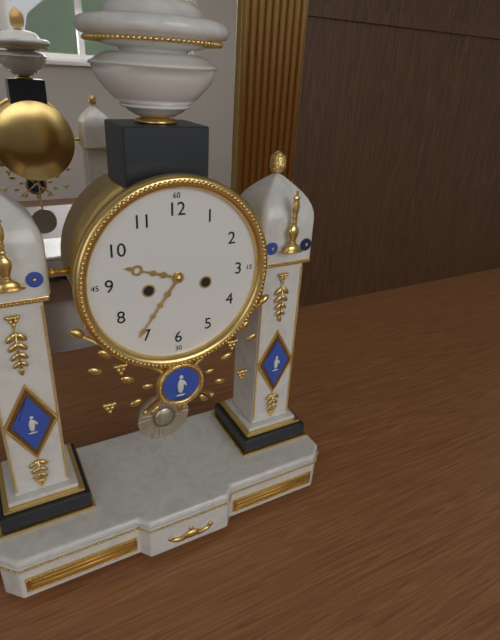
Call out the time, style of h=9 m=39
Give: h=9 m=36
